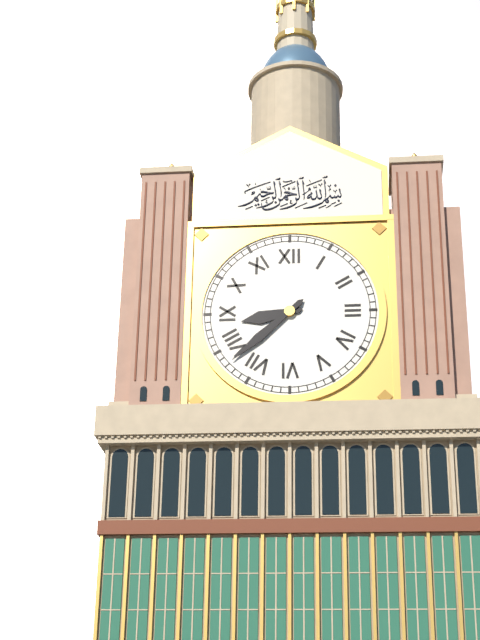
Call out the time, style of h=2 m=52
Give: h=8 m=38
